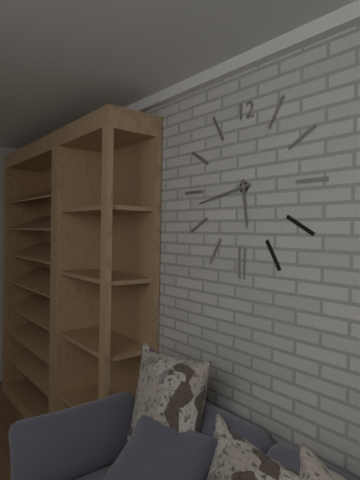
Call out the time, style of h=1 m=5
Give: h=5 m=43
